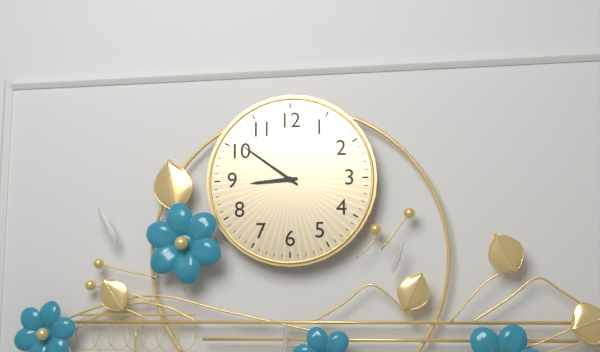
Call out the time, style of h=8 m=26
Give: h=8 m=51
